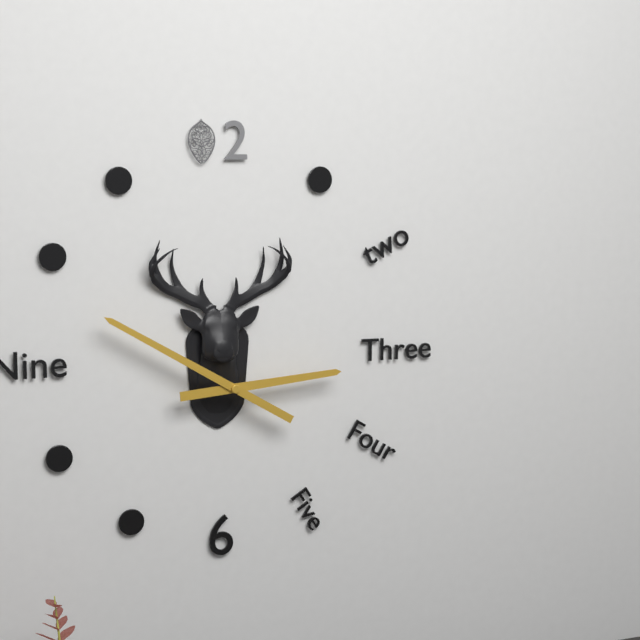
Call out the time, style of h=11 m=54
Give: h=2 m=50
